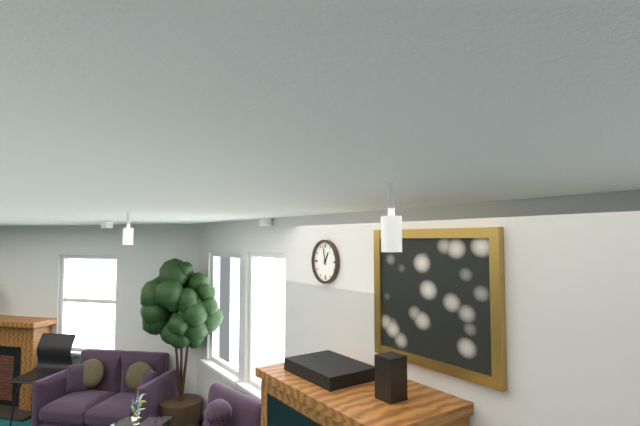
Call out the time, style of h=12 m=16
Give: h=12 m=58
